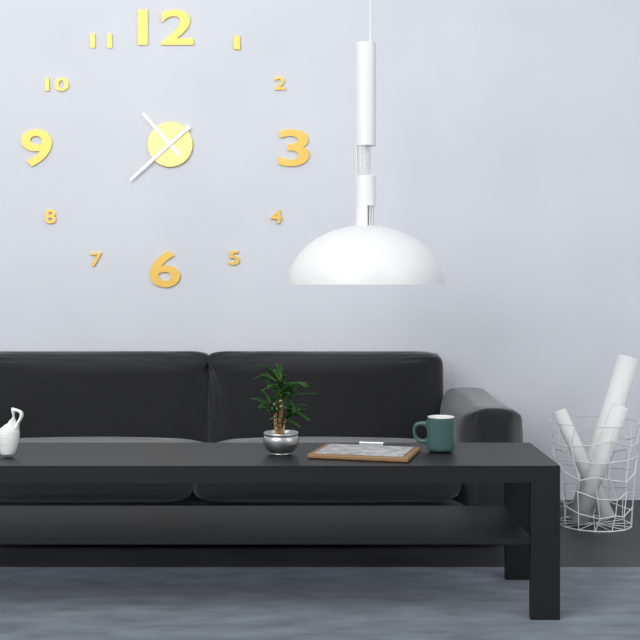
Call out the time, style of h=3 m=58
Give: h=10 m=38
